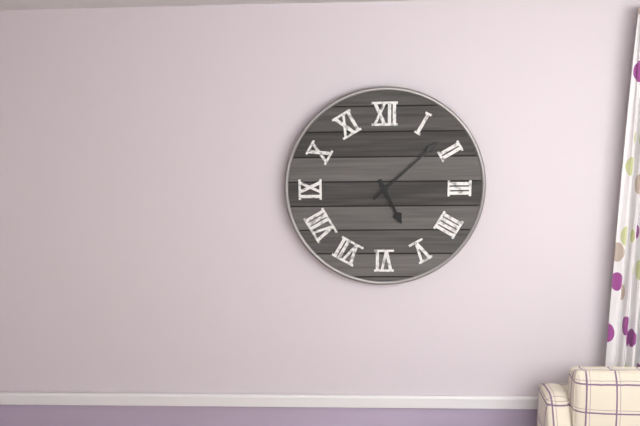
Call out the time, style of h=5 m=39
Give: h=5 m=8
